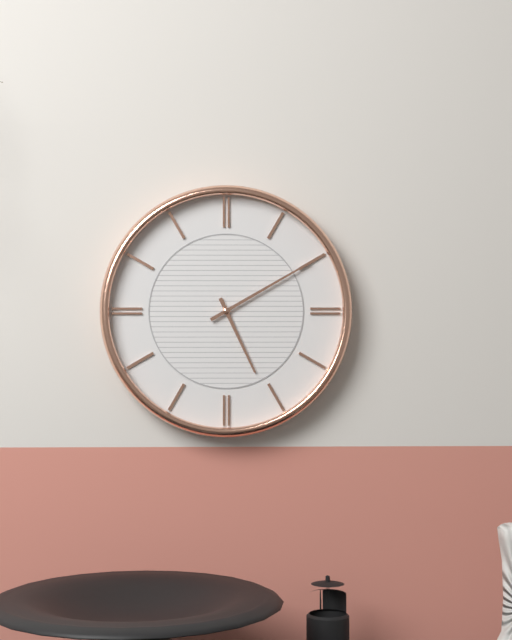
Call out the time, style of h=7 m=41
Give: h=5 m=10
